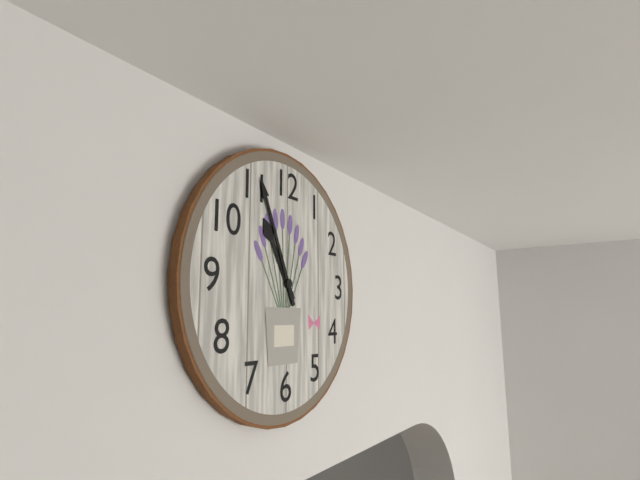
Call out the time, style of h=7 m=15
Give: h=10 m=56
